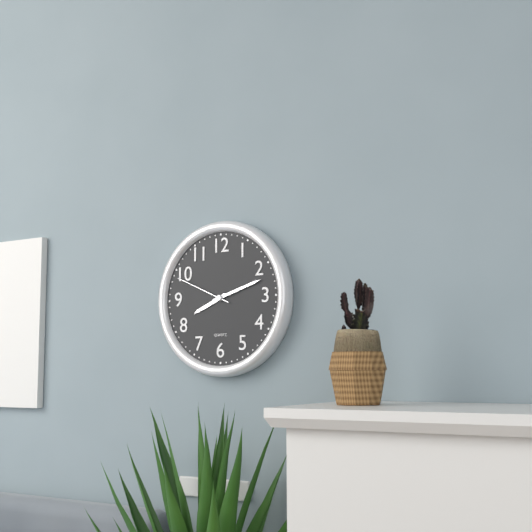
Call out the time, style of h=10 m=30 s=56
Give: h=8 m=12 s=49
